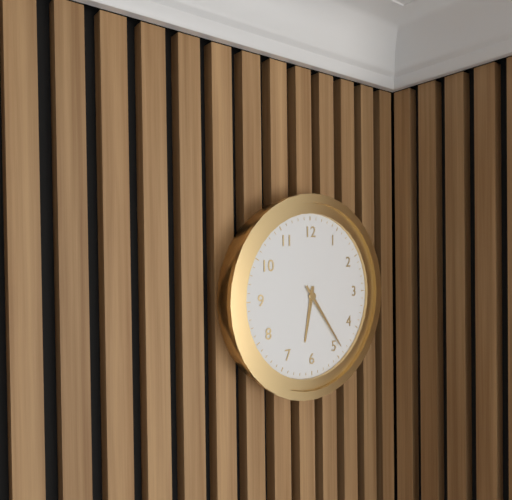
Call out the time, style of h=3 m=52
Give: h=6 m=24
